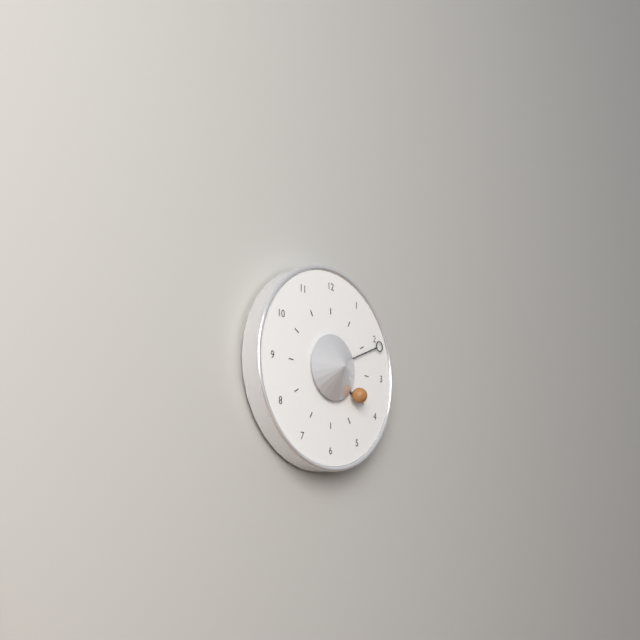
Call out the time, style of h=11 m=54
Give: h=4 m=11
